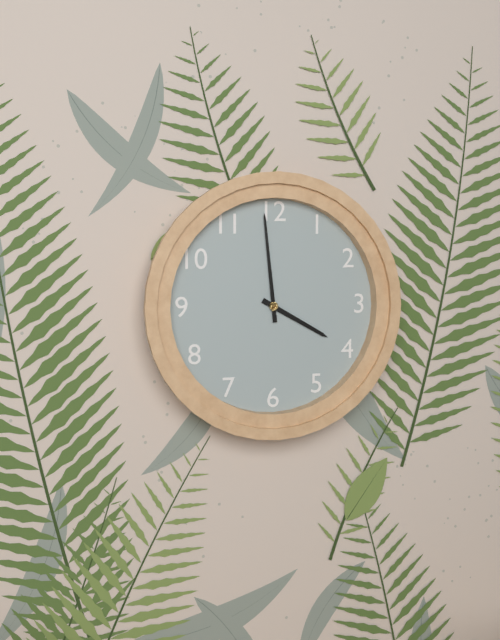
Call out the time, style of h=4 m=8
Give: h=3 m=59
